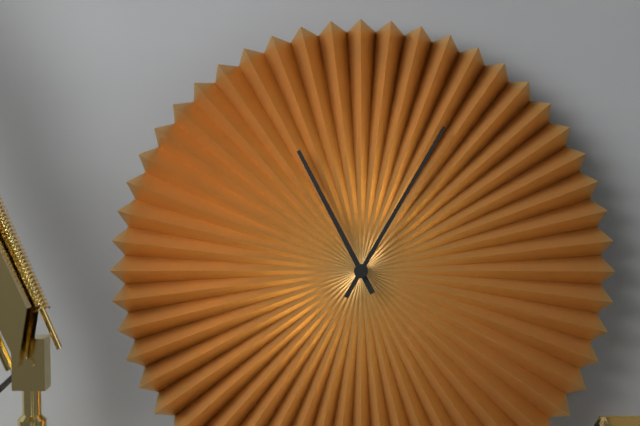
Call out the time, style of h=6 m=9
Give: h=11 m=5
